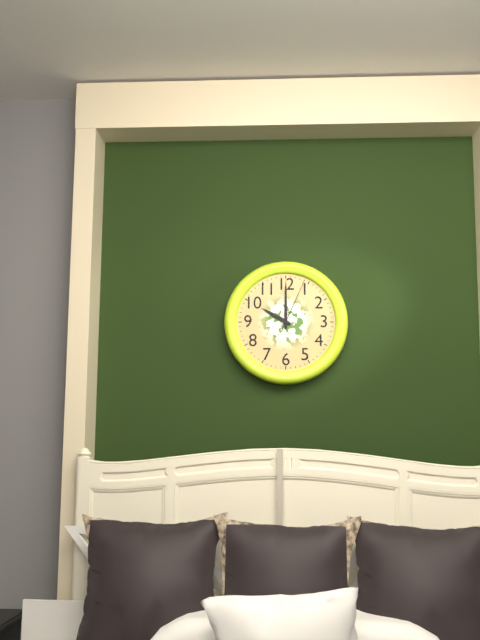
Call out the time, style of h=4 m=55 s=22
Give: h=10 m=0 s=4
